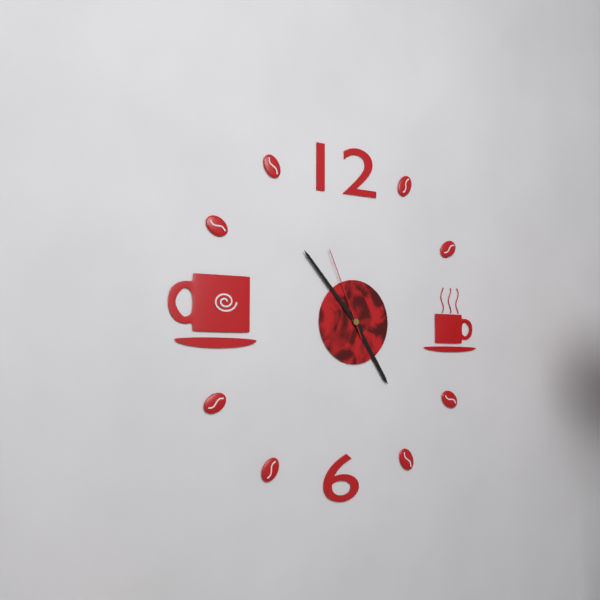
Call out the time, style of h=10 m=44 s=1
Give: h=4 m=53 s=56
